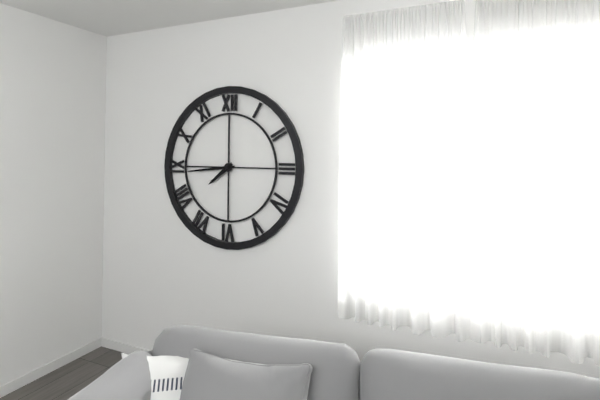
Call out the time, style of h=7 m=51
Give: h=7 m=44
